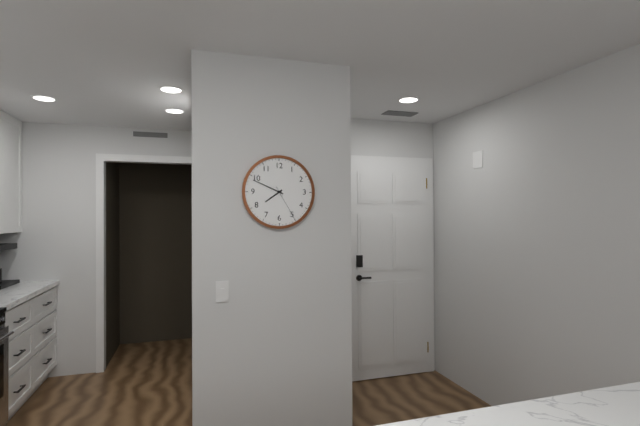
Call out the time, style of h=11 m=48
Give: h=7 m=49
